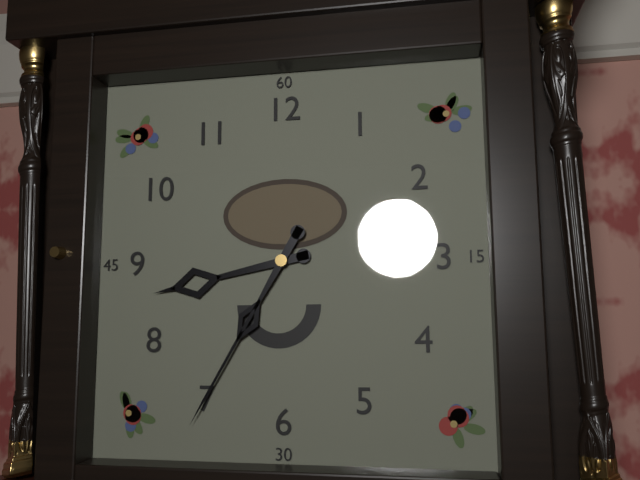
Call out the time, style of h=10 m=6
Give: h=8 m=35
